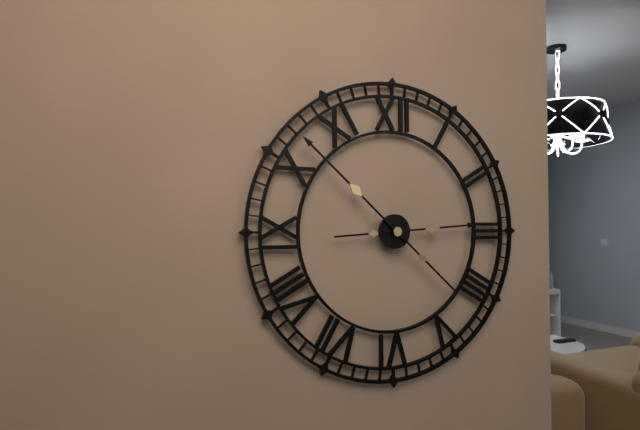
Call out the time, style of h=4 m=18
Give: h=2 m=52
